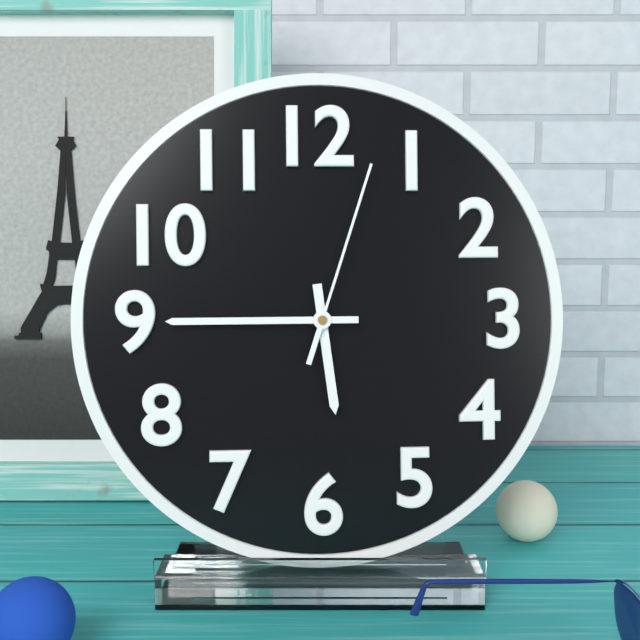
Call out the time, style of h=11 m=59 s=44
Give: h=5 m=45 s=3
